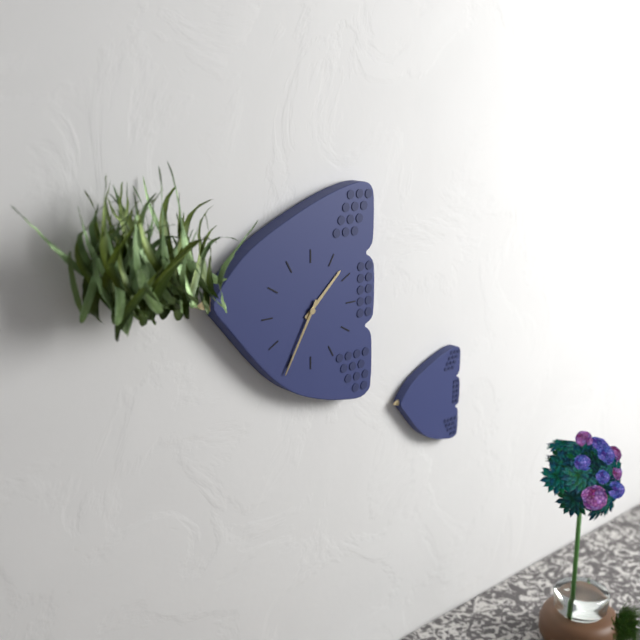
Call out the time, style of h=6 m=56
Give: h=1 m=35
